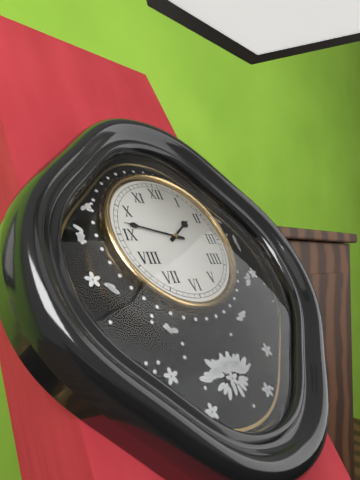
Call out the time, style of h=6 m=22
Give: h=1 m=47
